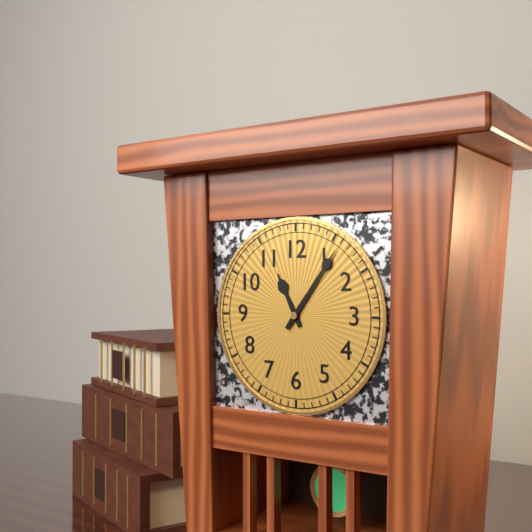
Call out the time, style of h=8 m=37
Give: h=11 m=6
